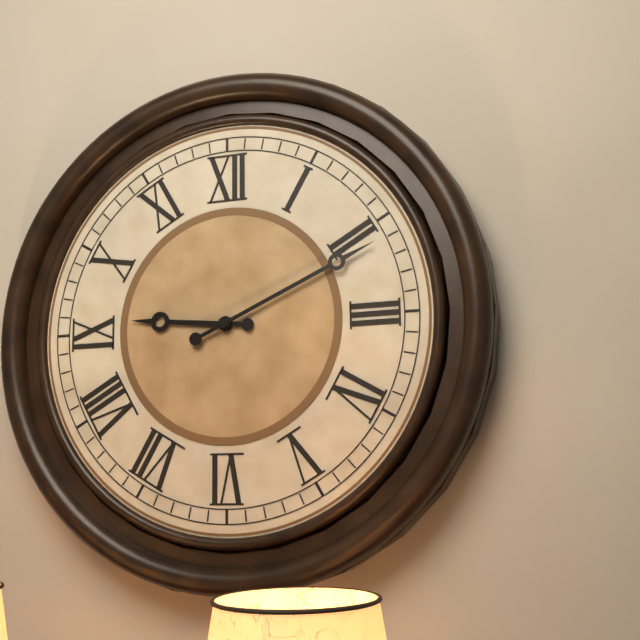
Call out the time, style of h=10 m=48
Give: h=9 m=11
